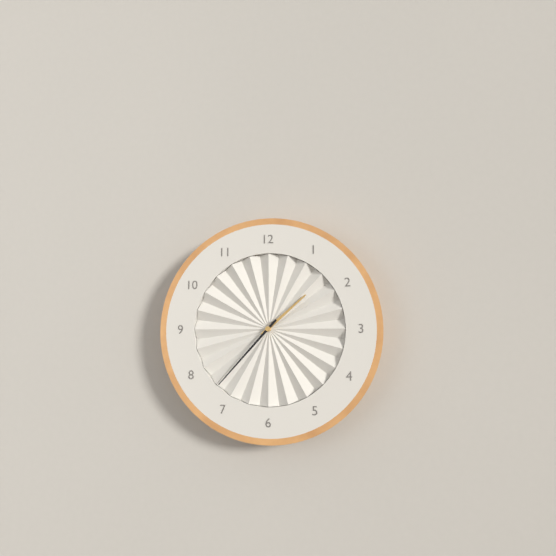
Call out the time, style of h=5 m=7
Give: h=1 m=37
